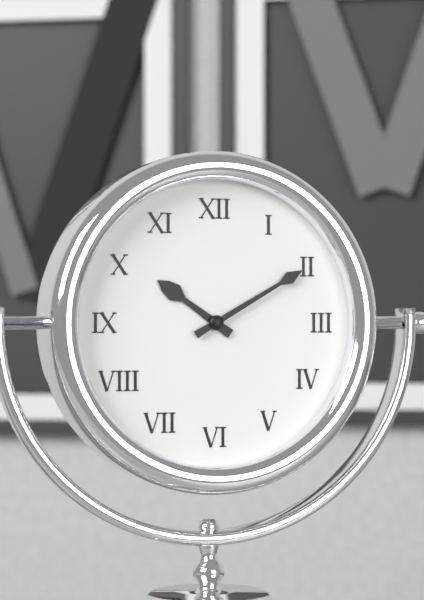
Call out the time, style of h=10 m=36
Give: h=10 m=10
